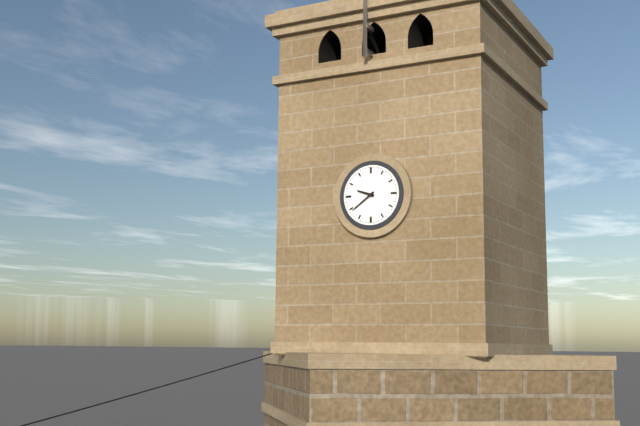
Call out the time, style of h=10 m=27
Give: h=9 m=39
